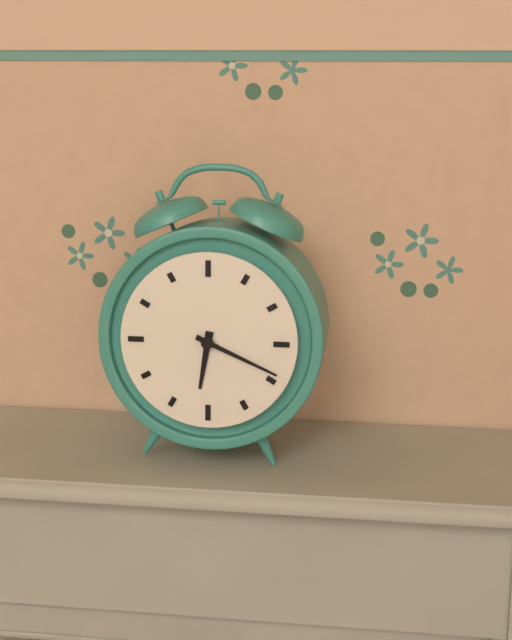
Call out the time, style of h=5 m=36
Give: h=6 m=19
